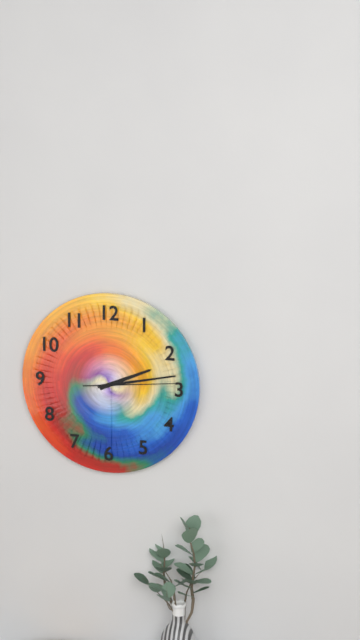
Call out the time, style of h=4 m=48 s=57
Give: h=2 m=13 s=14
